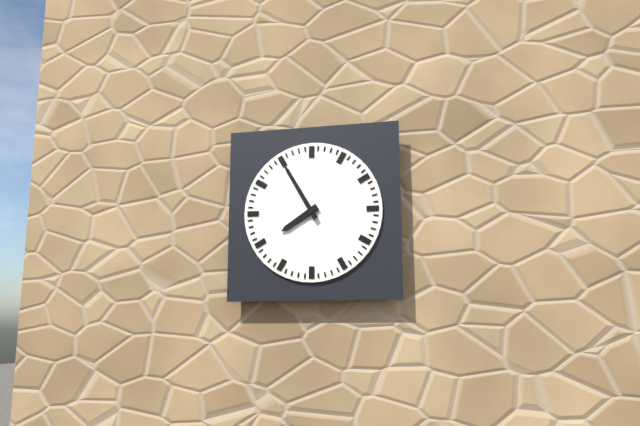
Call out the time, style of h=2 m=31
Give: h=7 m=55
